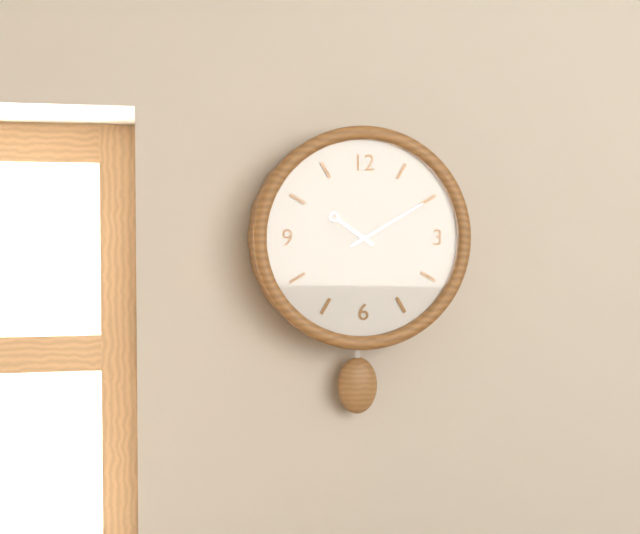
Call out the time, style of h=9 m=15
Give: h=10 m=10
